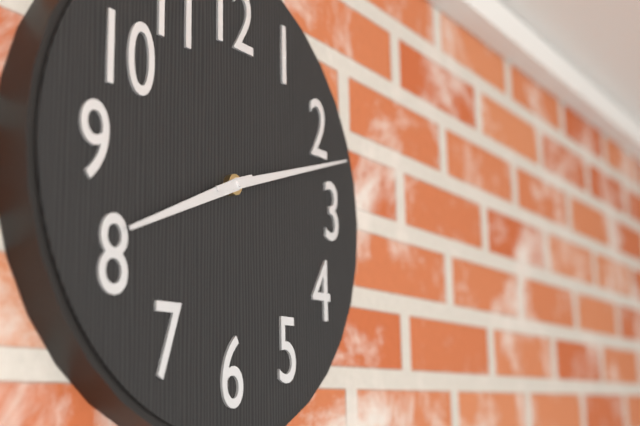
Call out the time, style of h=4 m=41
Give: h=8 m=12
